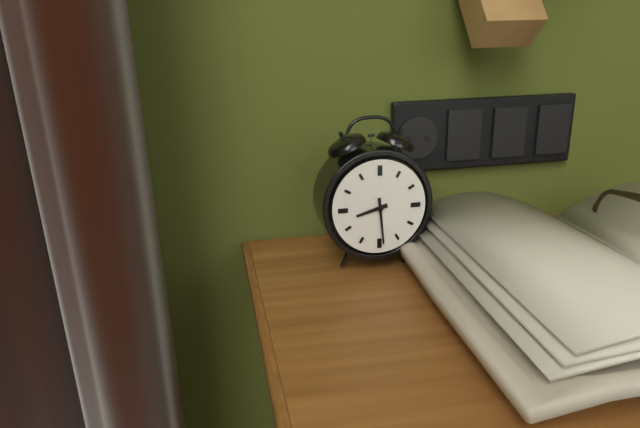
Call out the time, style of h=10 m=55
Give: h=8 m=29
